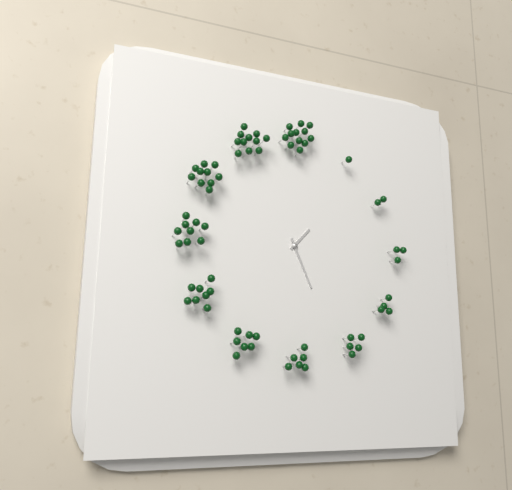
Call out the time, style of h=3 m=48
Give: h=1 m=26
